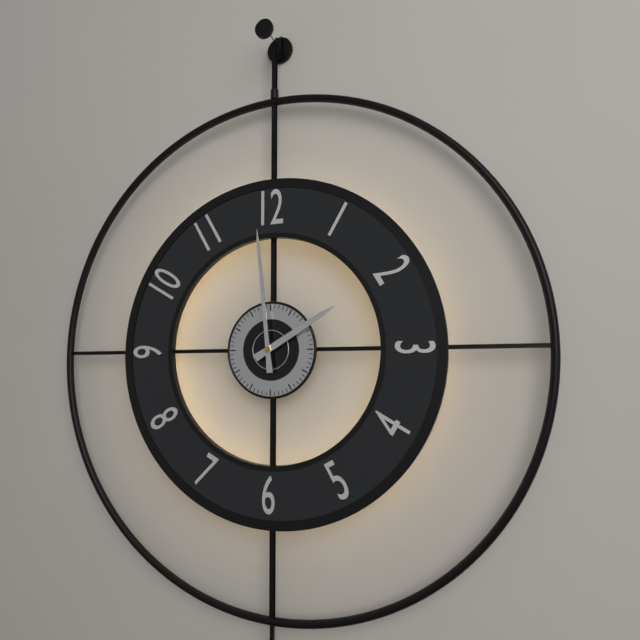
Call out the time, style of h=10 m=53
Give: h=1 m=59
